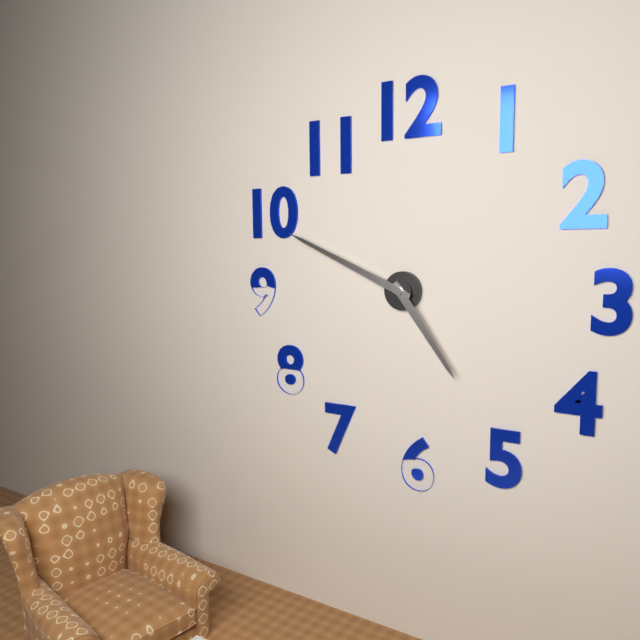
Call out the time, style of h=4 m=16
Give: h=4 m=49
